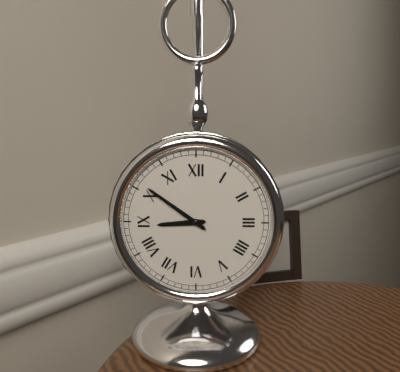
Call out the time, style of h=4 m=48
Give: h=8 m=51
